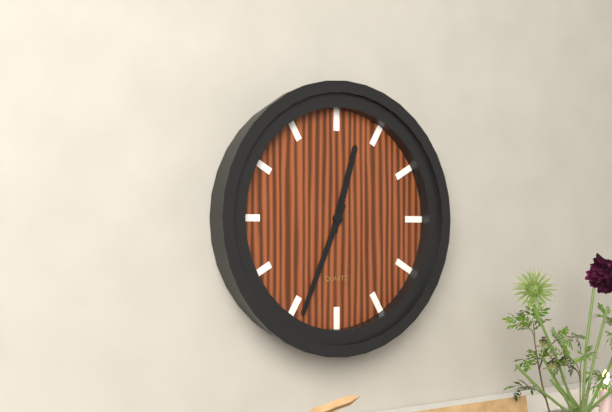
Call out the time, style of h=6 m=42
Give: h=12 m=34
